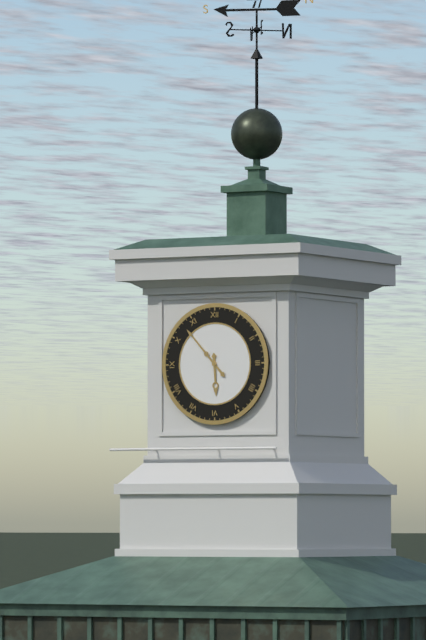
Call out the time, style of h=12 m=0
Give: h=5 m=53
